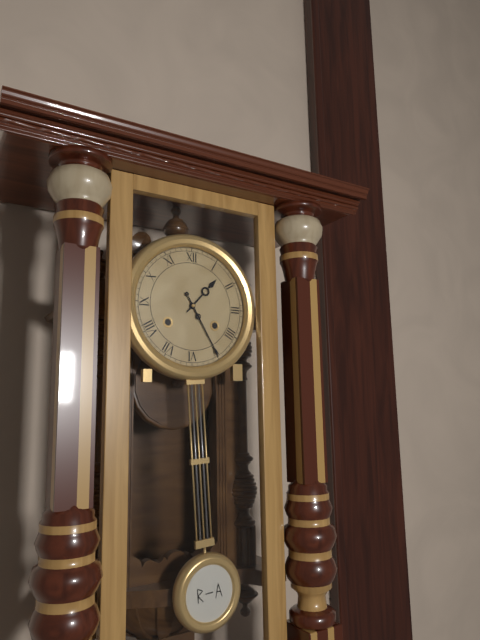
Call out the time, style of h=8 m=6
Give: h=1 m=25
